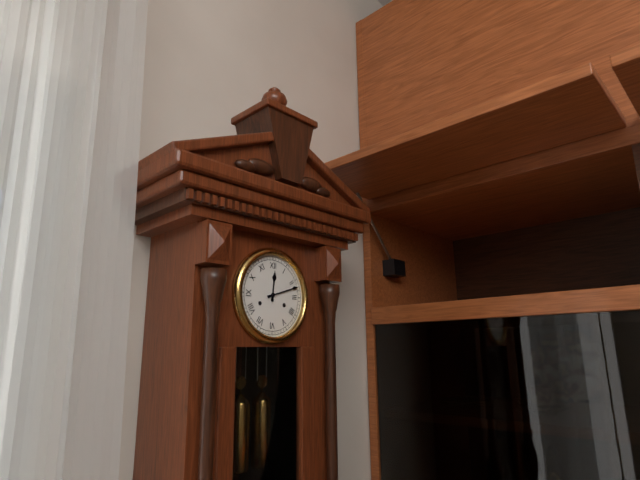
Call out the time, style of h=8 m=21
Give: h=12 m=12
